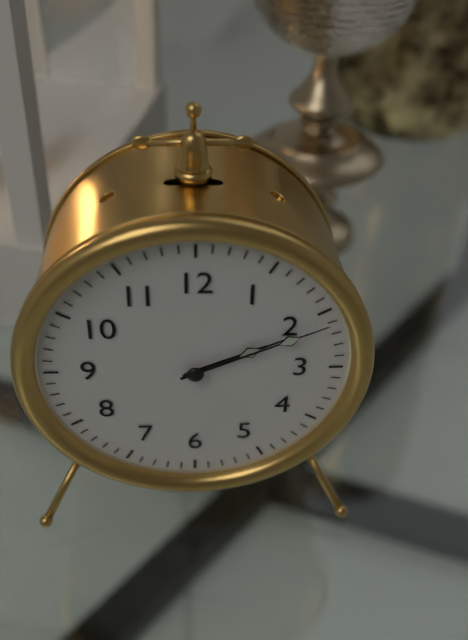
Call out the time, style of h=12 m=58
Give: h=2 m=11
